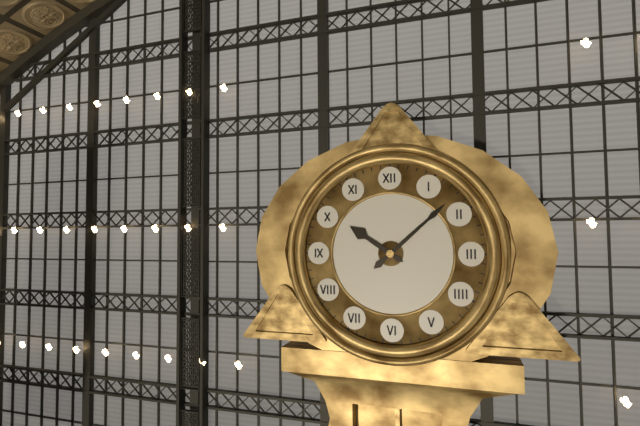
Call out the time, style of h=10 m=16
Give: h=10 m=8
